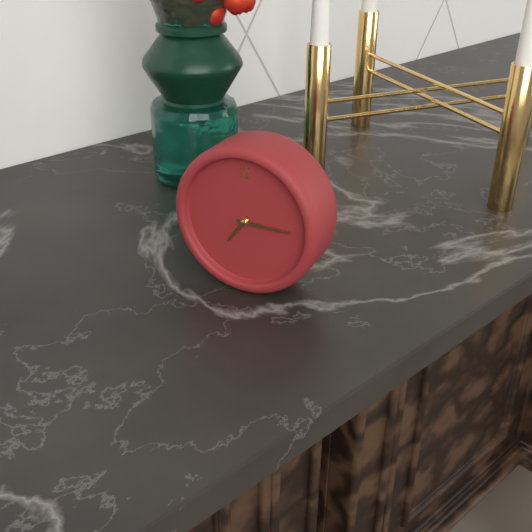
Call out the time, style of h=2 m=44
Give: h=7 m=15
